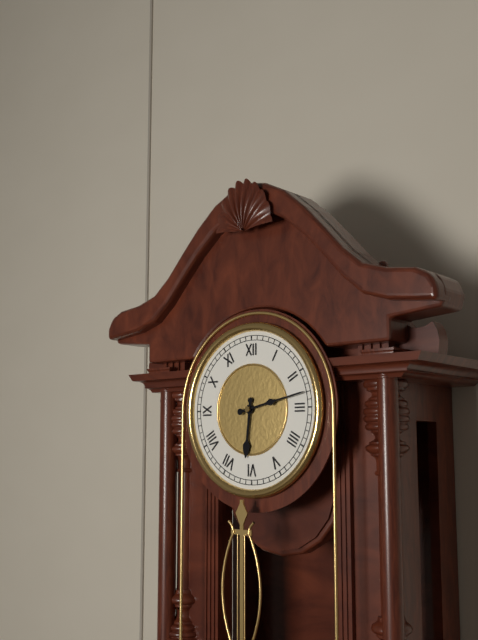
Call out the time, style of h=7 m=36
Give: h=6 m=13
